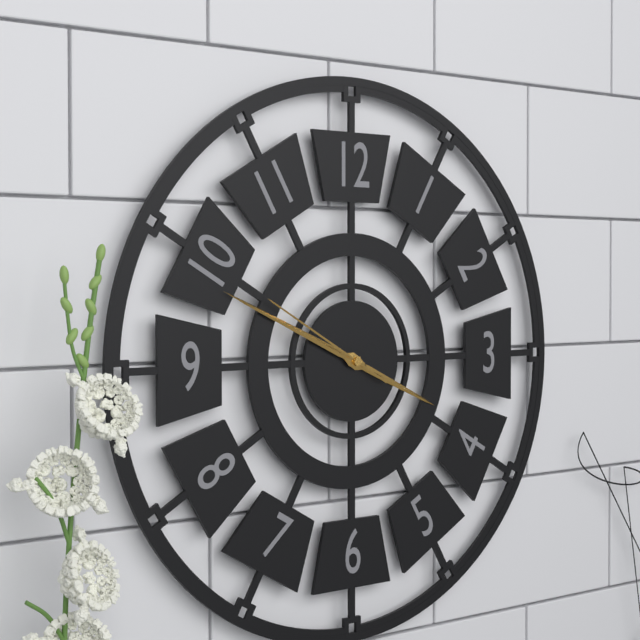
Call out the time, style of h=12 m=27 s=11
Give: h=3 m=49 s=50
